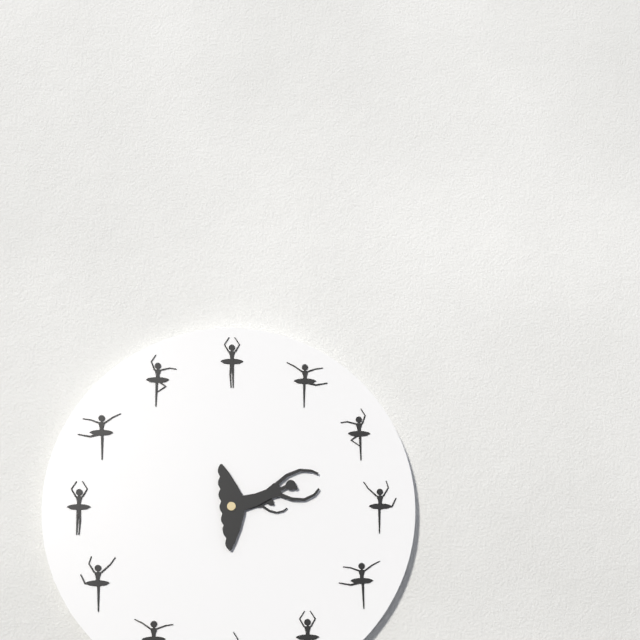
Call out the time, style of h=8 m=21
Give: h=3 m=14
